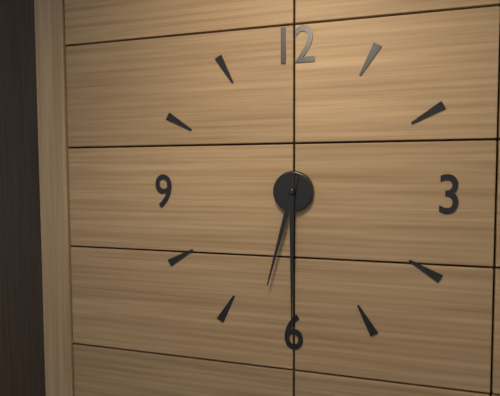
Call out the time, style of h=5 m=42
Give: h=6 m=30
